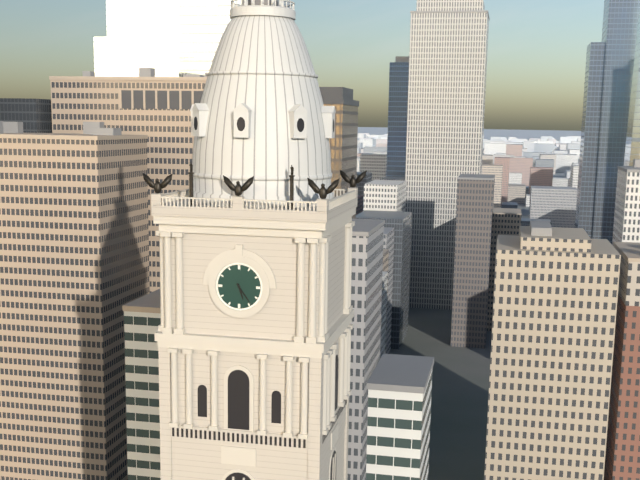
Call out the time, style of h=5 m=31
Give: h=5 m=24
